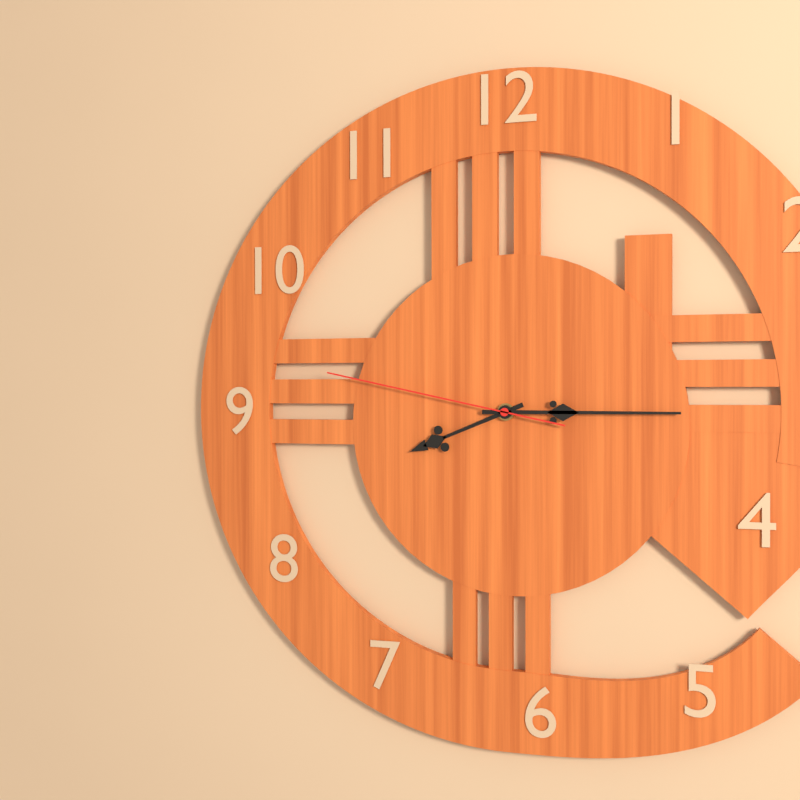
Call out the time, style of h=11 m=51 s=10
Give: h=8 m=15 s=47
